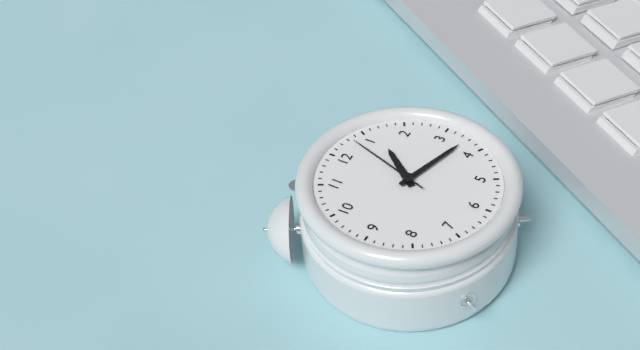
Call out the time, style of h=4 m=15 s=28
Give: h=1 m=18 s=3
